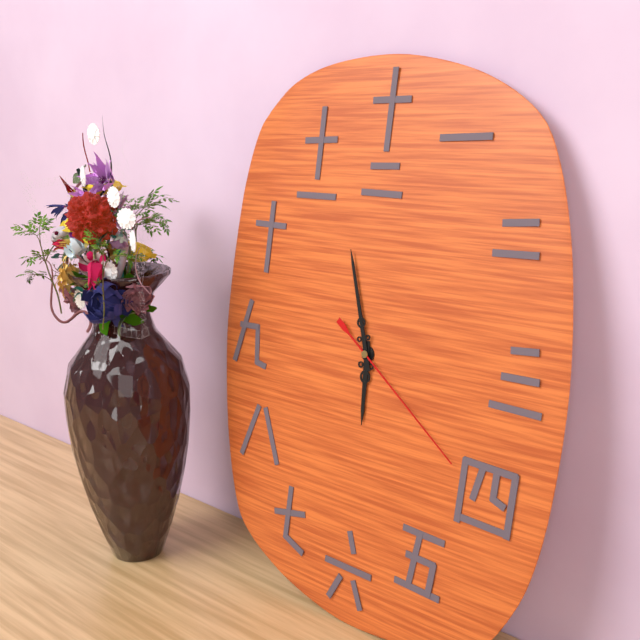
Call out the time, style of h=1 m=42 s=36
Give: h=5 m=57 s=21
